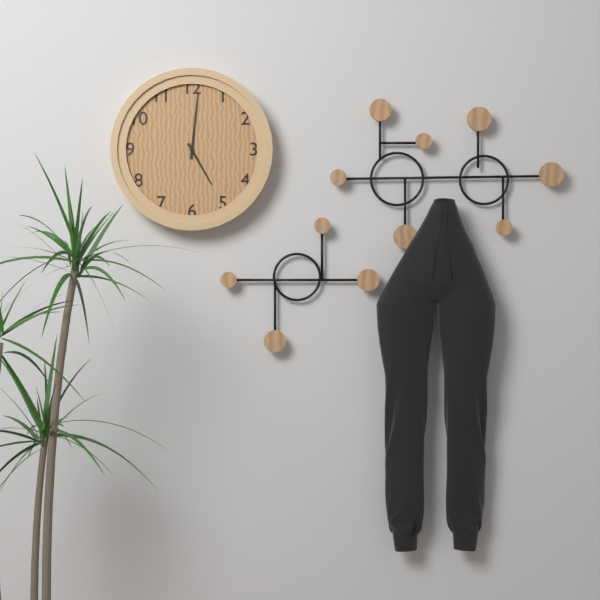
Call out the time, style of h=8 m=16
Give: h=5 m=1
